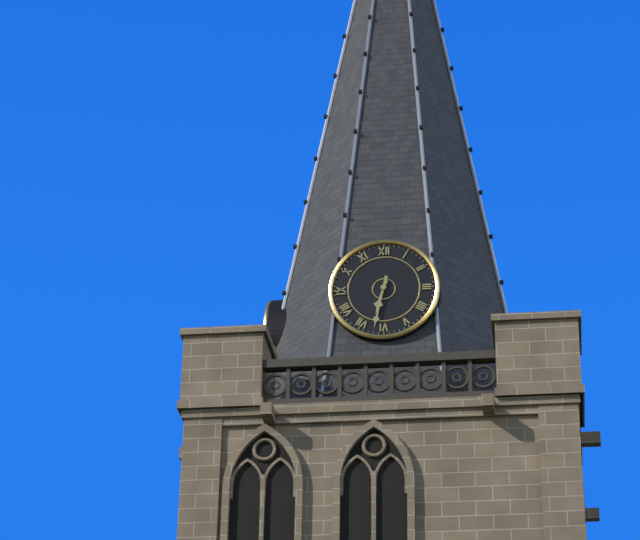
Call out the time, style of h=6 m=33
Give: h=6 m=32
